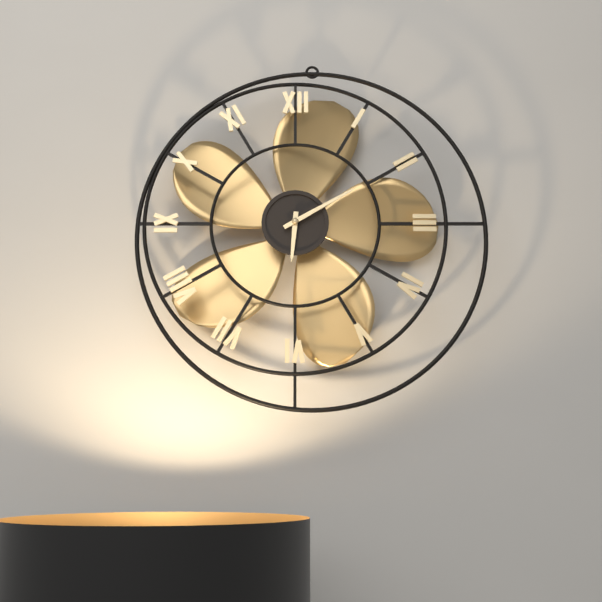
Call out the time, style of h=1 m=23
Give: h=6 m=10
